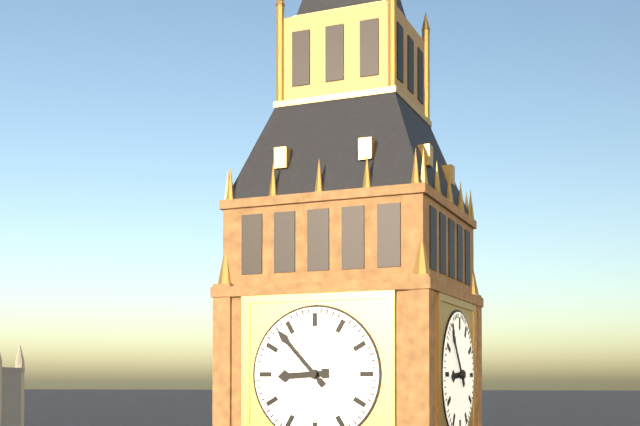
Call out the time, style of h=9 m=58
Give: h=8 m=53
